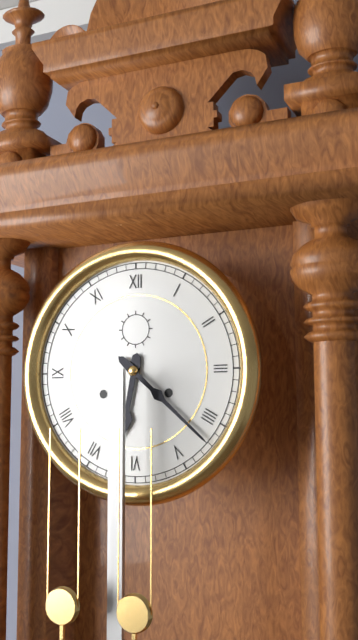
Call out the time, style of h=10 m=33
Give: h=6 m=22
